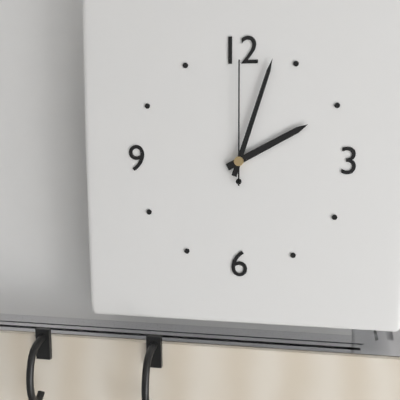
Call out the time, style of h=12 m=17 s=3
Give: h=2 m=3 s=0
